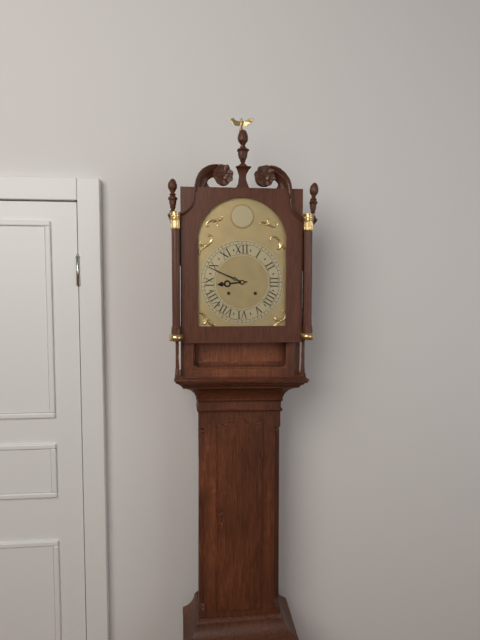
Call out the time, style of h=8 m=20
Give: h=8 m=49
